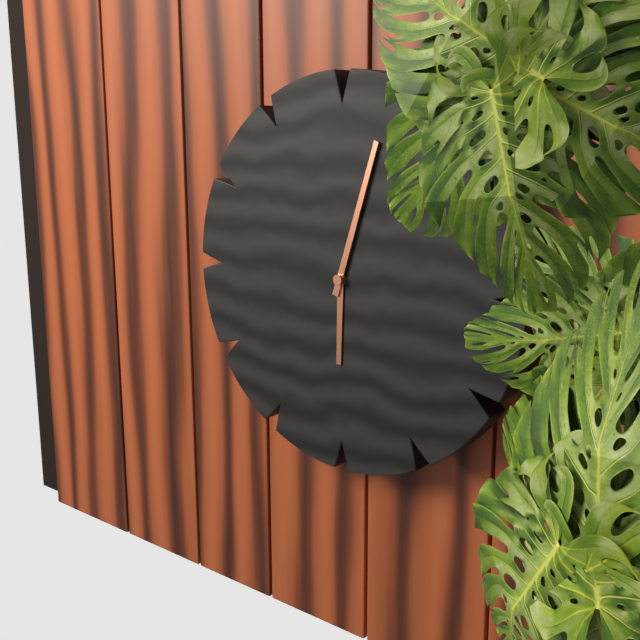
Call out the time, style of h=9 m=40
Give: h=6 m=3
